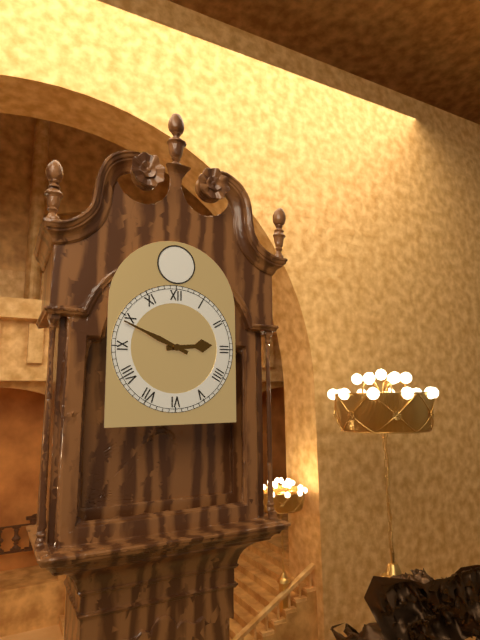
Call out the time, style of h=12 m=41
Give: h=2 m=49
